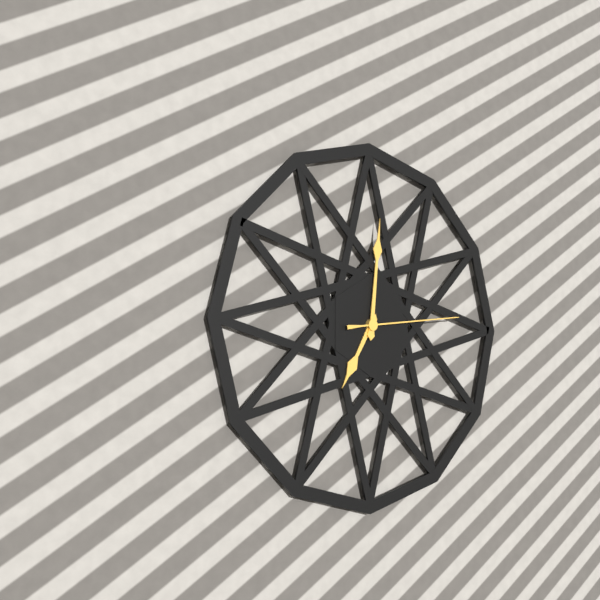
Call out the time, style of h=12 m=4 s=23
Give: h=7 m=1 s=14
